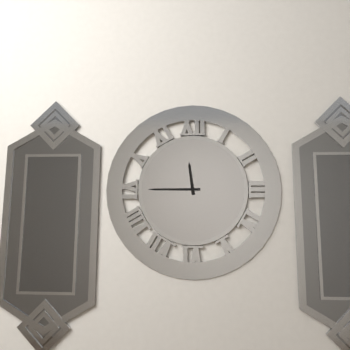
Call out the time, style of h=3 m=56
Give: h=11 m=45
